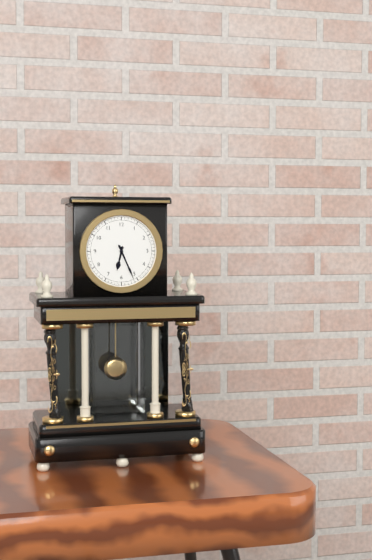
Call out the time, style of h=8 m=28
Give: h=6 m=26
